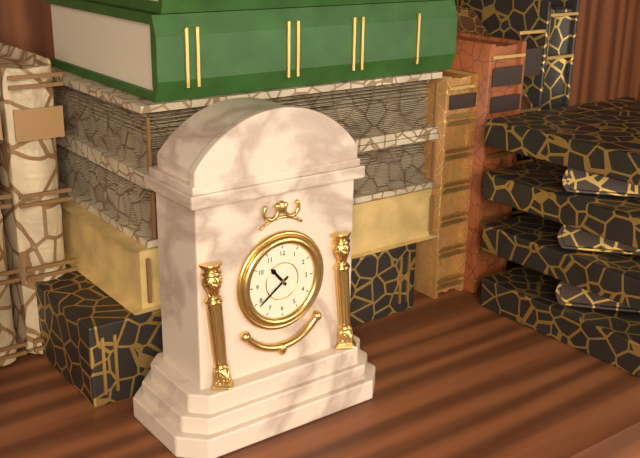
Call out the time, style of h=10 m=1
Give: h=10 m=39
